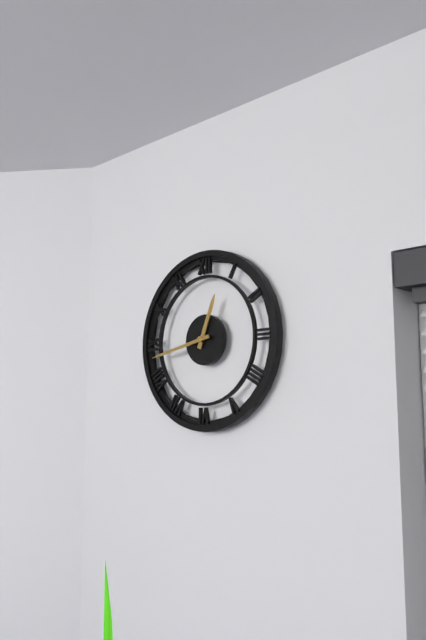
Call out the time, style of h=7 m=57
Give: h=12 m=43
